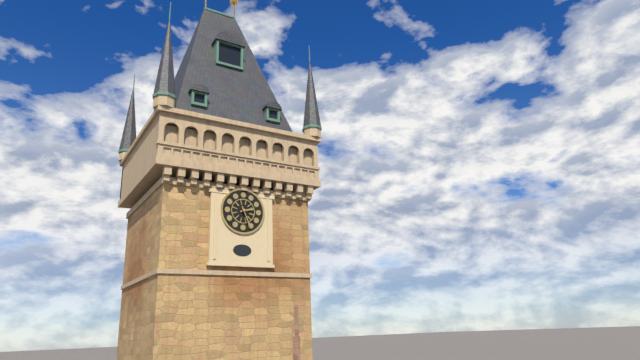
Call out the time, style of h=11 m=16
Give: h=2 m=26
